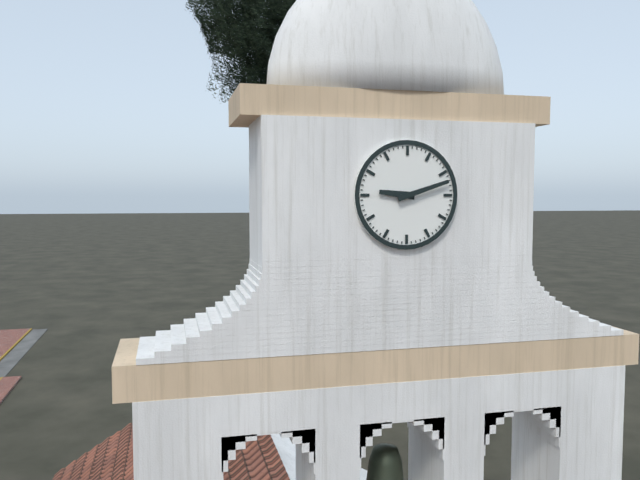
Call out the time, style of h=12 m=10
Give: h=9 m=12
